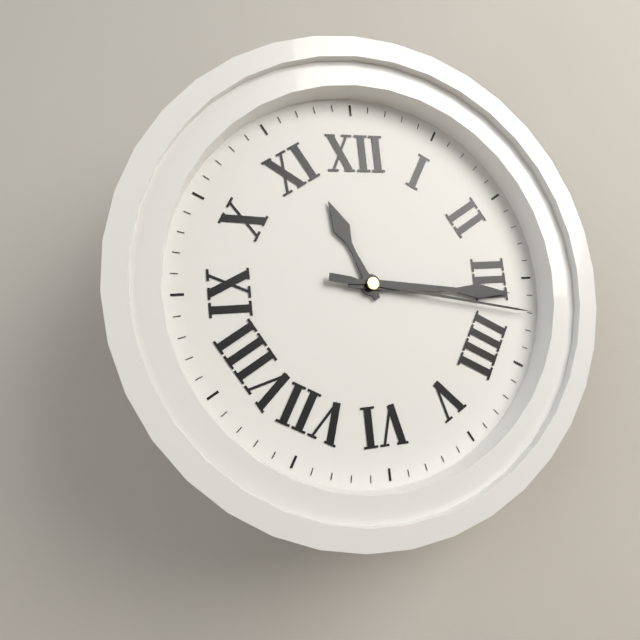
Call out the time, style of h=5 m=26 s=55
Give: h=11 m=16 s=17
